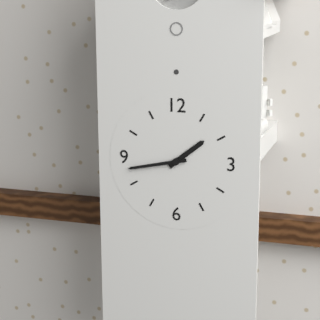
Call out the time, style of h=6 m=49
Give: h=1 m=43
